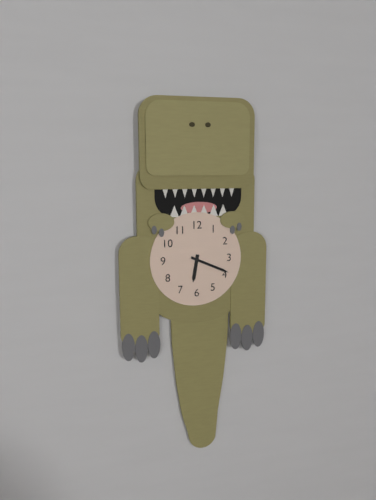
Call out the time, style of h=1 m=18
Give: h=6 m=19
